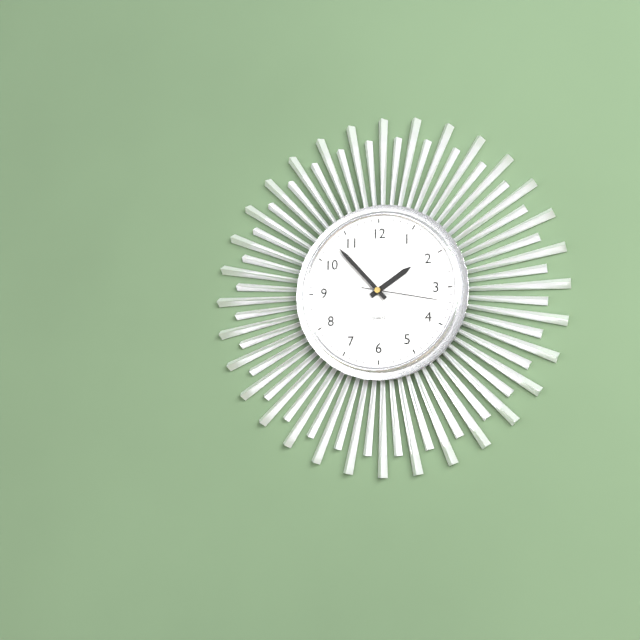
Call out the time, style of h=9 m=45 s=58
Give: h=1 m=53 s=17
